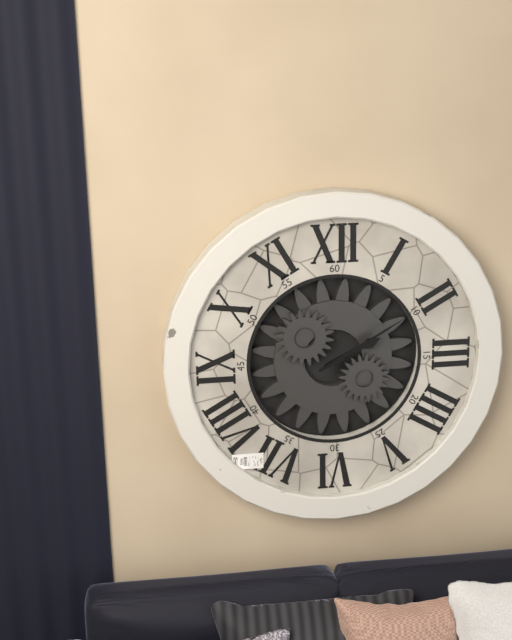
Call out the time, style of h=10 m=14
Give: h=2 m=10
